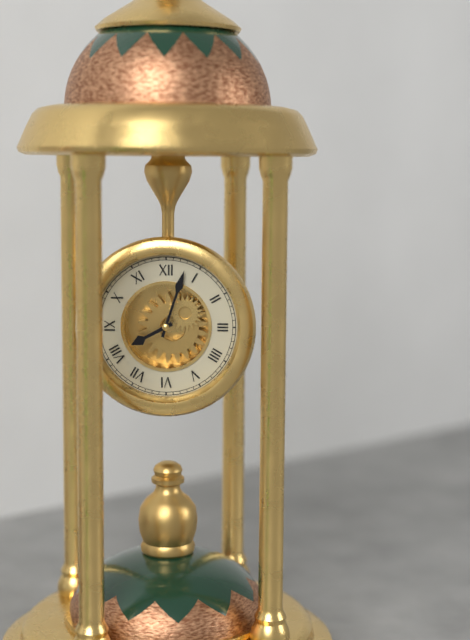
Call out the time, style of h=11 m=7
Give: h=8 m=3
